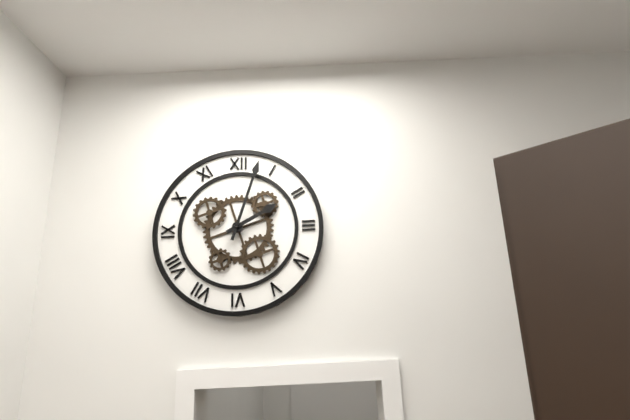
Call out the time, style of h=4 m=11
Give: h=2 m=3
